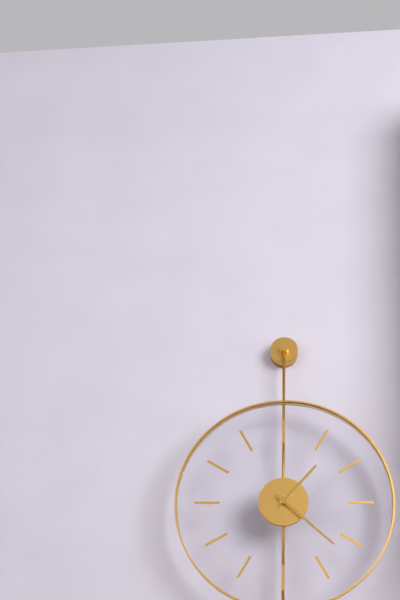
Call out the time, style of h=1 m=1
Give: h=1 m=22
